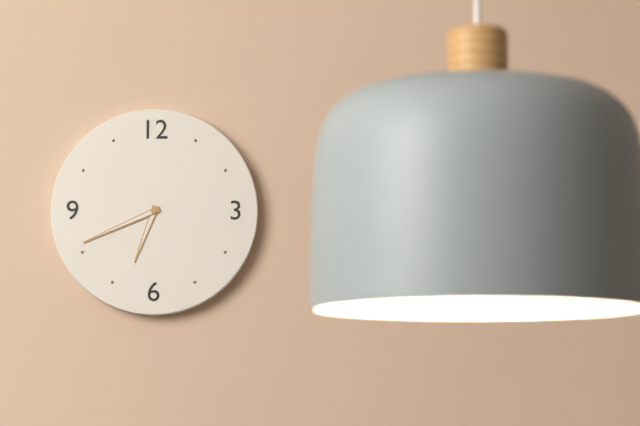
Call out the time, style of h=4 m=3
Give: h=6 m=41
